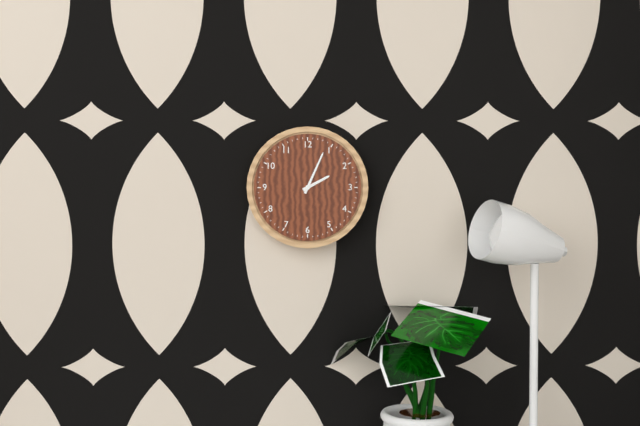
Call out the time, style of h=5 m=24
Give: h=2 m=4
